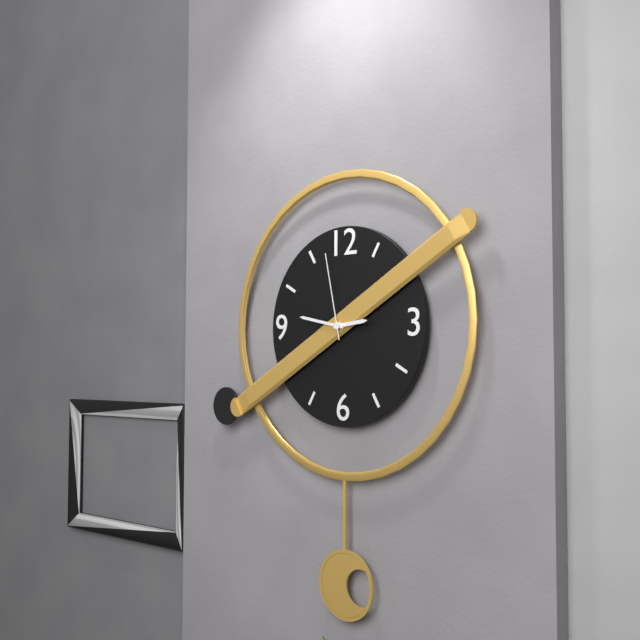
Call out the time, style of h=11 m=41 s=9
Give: h=2 m=47 s=58
